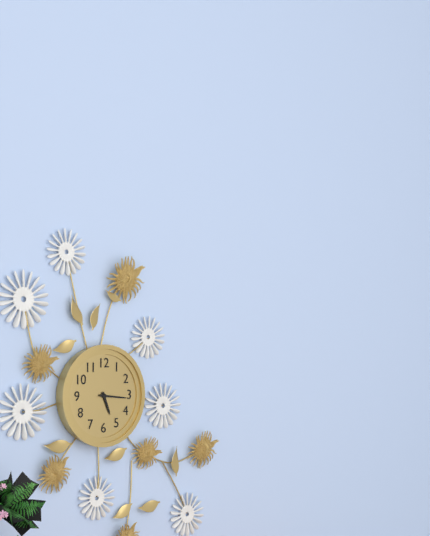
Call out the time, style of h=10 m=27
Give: h=5 m=16
